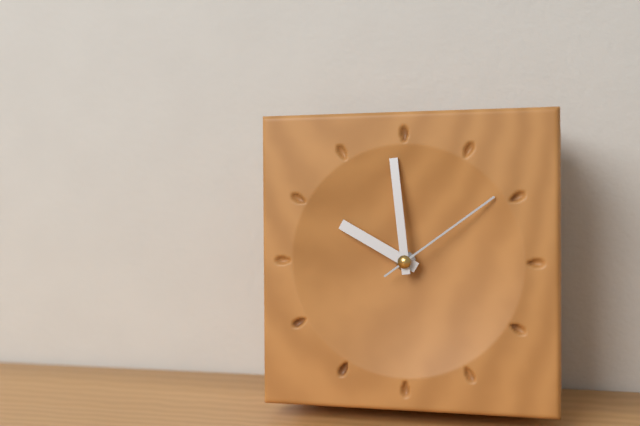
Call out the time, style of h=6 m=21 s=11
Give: h=9 m=59 s=9
